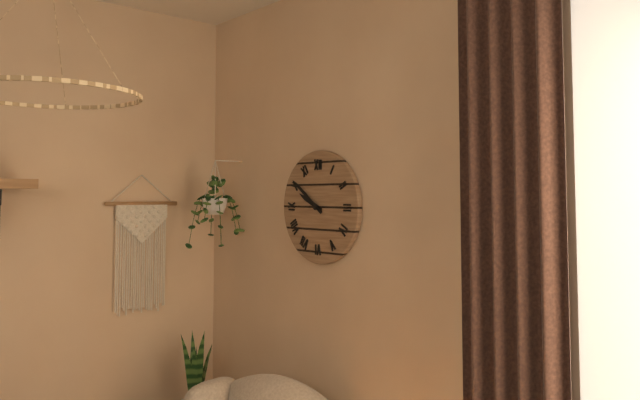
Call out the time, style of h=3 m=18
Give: h=9 m=51
